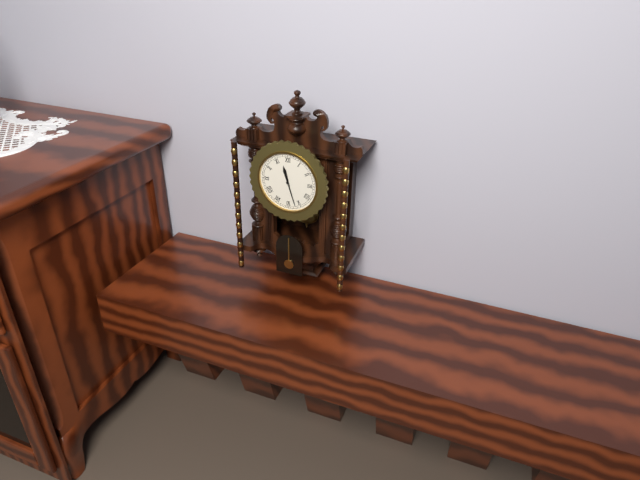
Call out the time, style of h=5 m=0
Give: h=11 m=27
